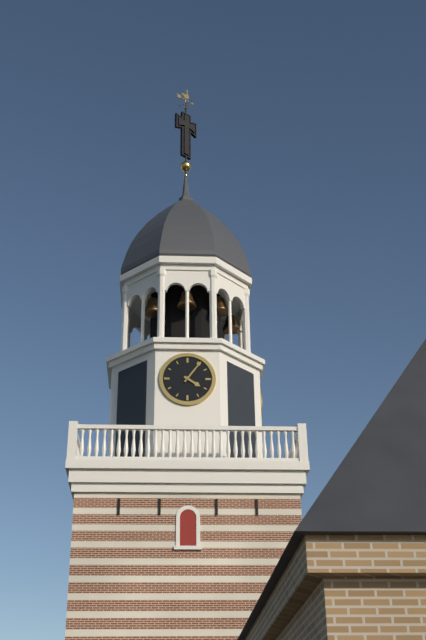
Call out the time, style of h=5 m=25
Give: h=4 m=6
